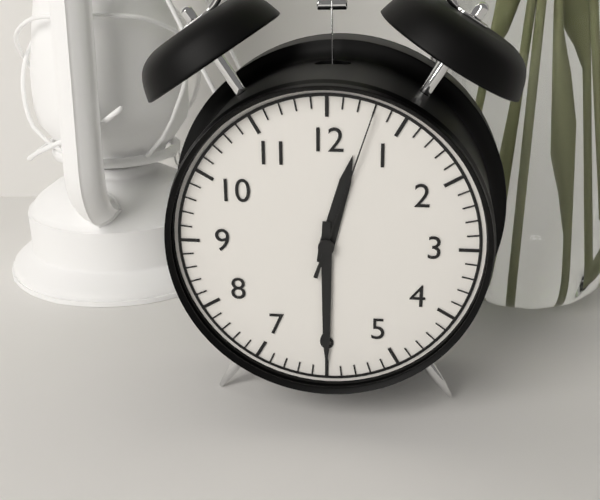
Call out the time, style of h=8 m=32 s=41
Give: h=12 m=30 s=3
